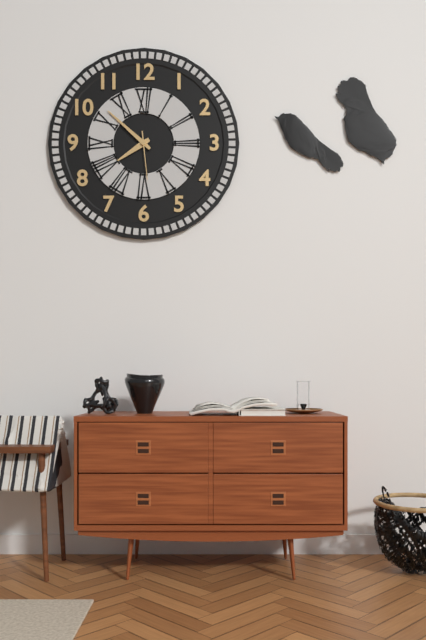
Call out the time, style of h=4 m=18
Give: h=7 m=52
